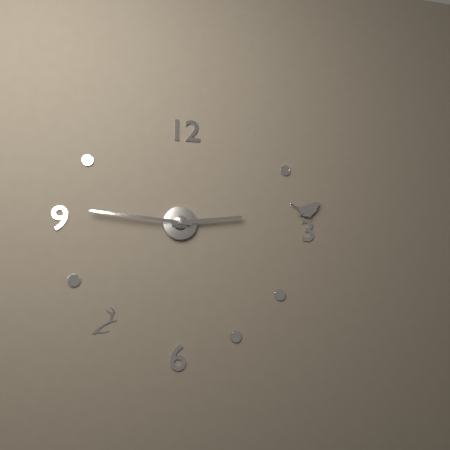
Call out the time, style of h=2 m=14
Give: h=2 m=46
